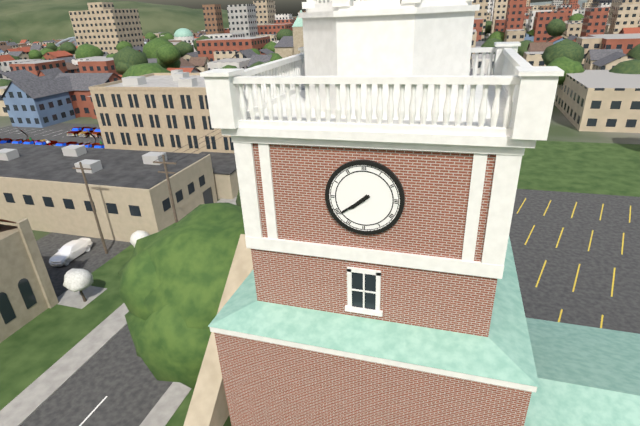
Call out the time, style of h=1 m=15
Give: h=7 m=39
